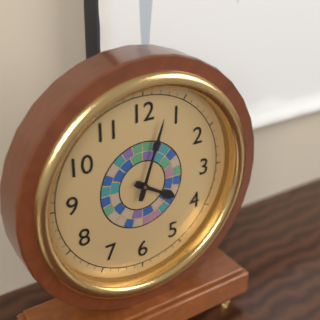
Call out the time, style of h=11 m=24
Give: h=4 m=3
